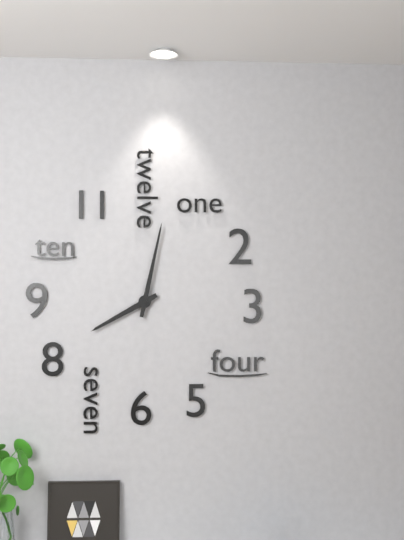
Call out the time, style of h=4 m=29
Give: h=8 m=2
